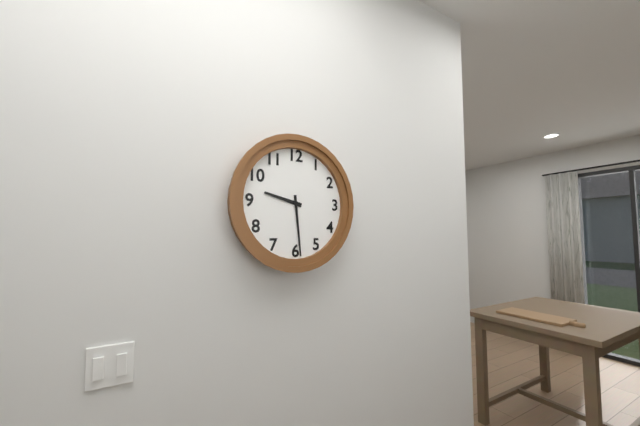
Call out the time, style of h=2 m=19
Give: h=9 m=29
